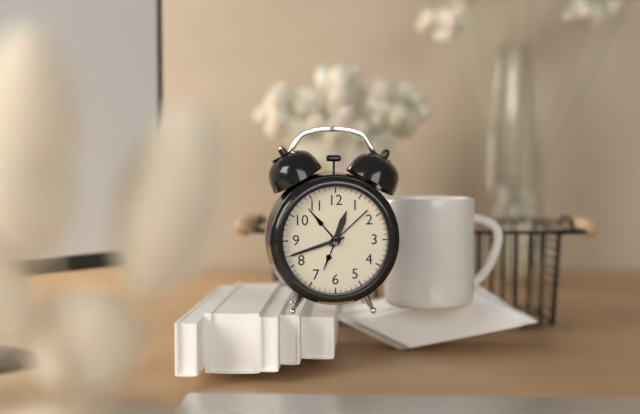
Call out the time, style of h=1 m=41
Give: h=12 m=42
